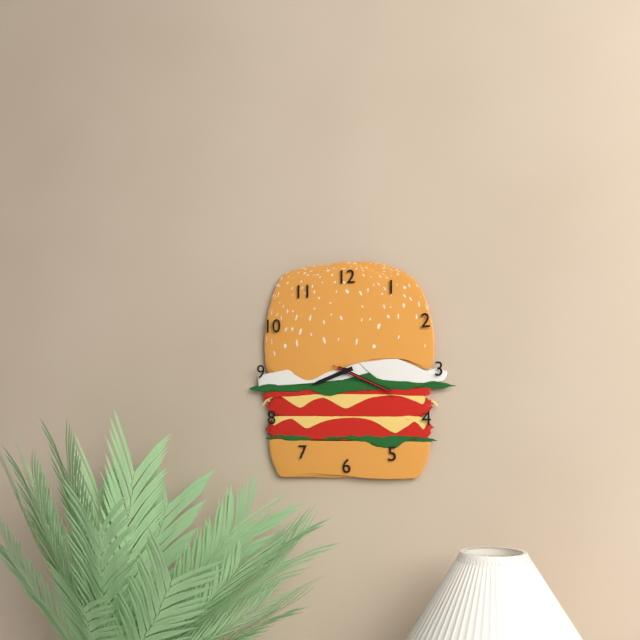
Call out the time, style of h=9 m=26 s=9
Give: h=8 m=19 s=19
